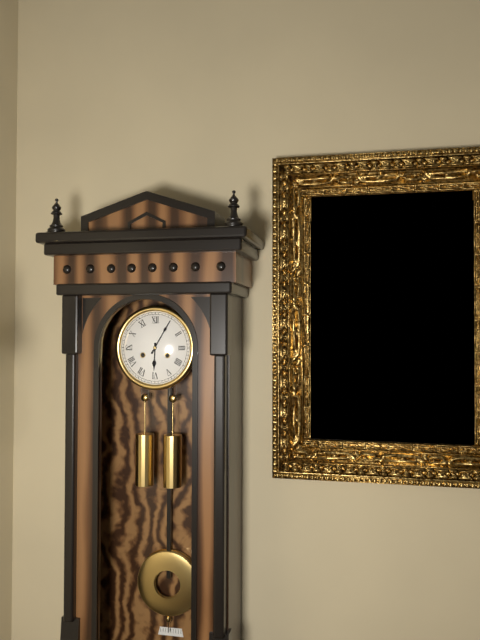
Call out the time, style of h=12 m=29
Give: h=6 m=5
